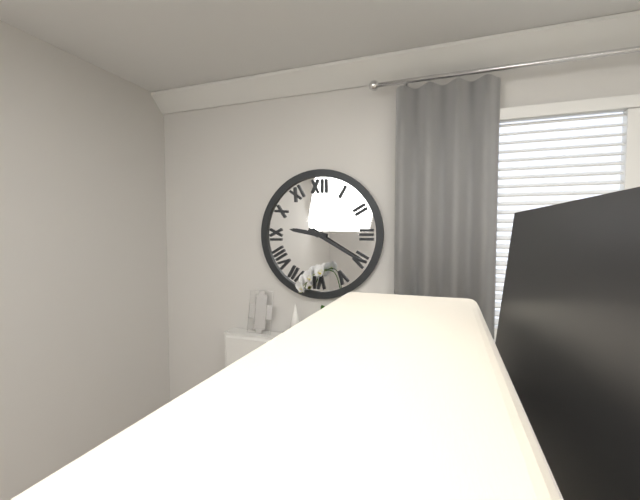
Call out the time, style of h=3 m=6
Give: h=9 m=20
